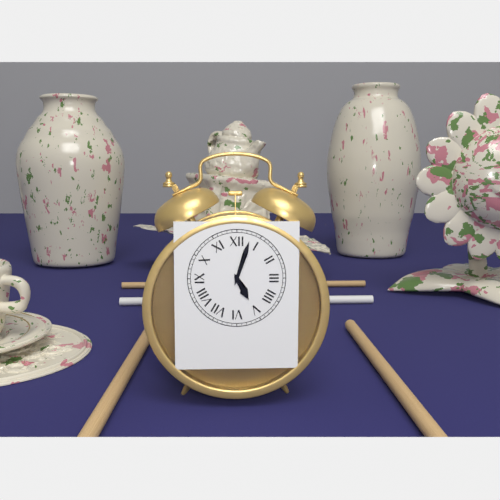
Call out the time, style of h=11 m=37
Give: h=5 m=3
